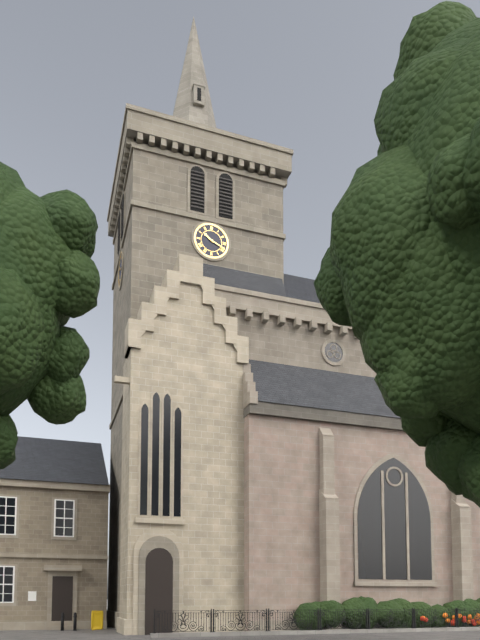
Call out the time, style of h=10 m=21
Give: h=10 m=19
